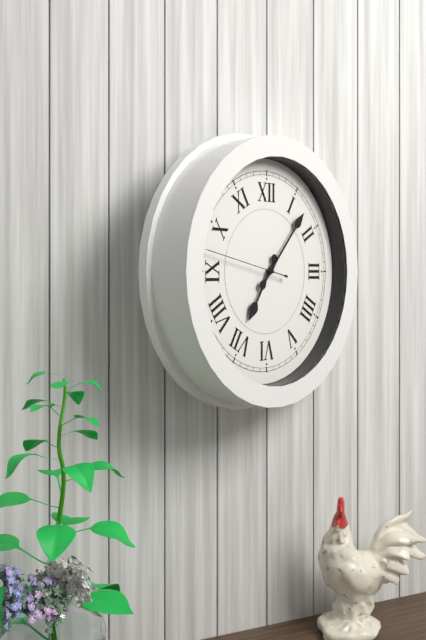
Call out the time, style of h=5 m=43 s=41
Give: h=7 m=7 s=47
